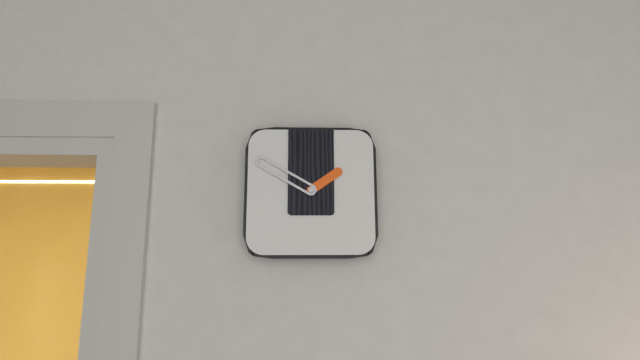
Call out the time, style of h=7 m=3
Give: h=1 m=50
